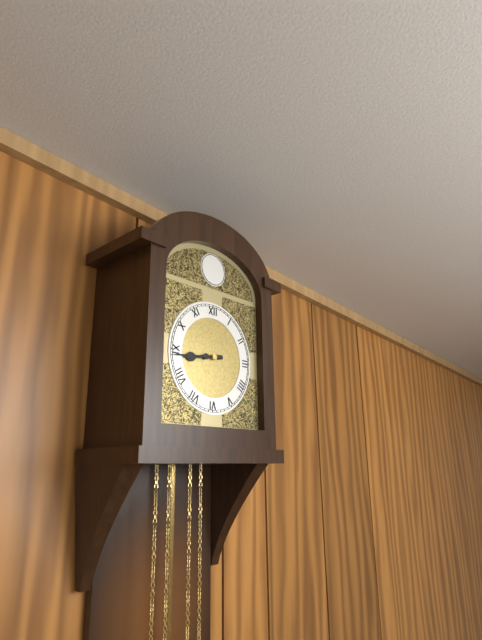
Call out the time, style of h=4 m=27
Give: h=8 m=44
